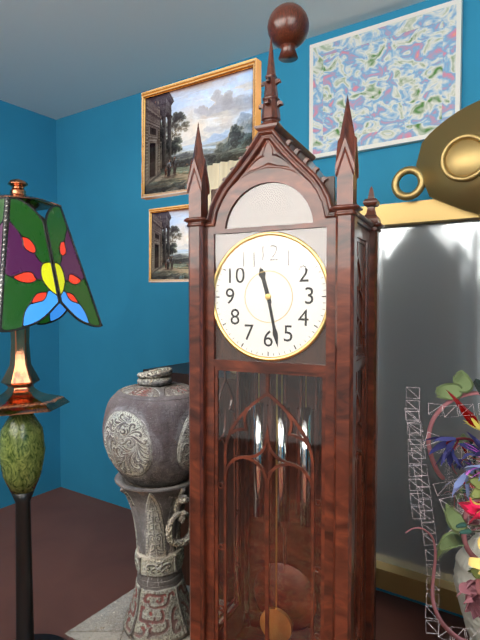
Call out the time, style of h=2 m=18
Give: h=11 m=28
